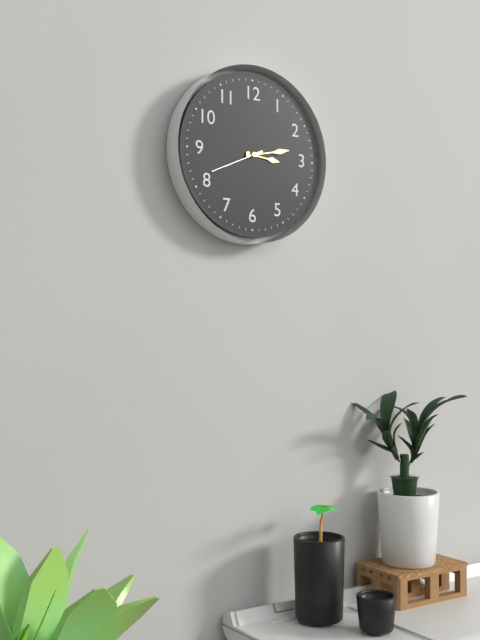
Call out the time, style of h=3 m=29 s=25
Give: h=3 m=13 s=41
